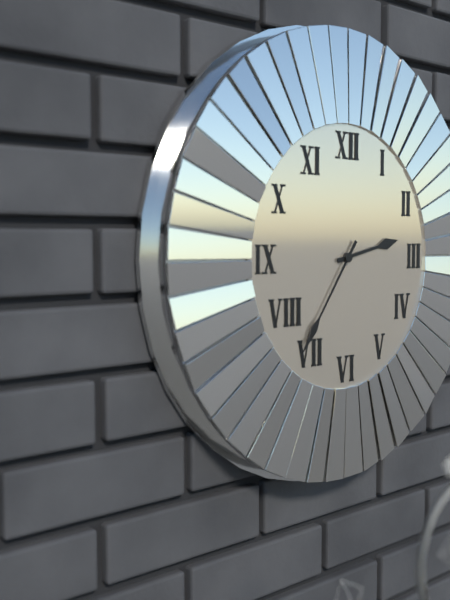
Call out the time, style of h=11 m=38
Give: h=2 m=36
